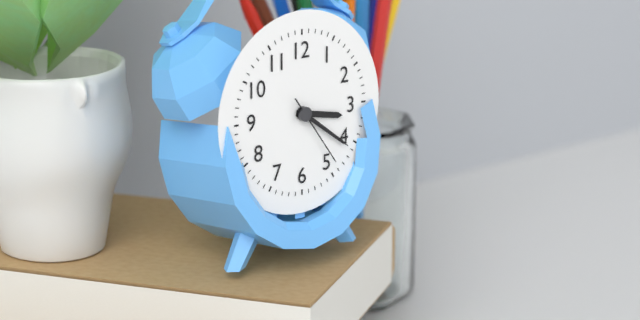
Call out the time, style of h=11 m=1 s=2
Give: h=3 m=21 s=24
